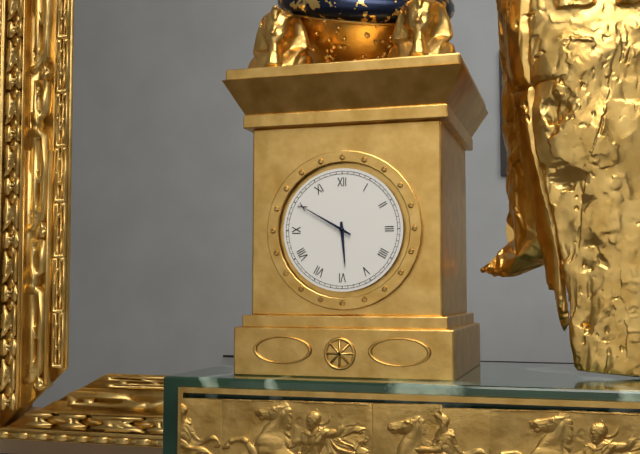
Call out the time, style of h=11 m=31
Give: h=5 m=50
